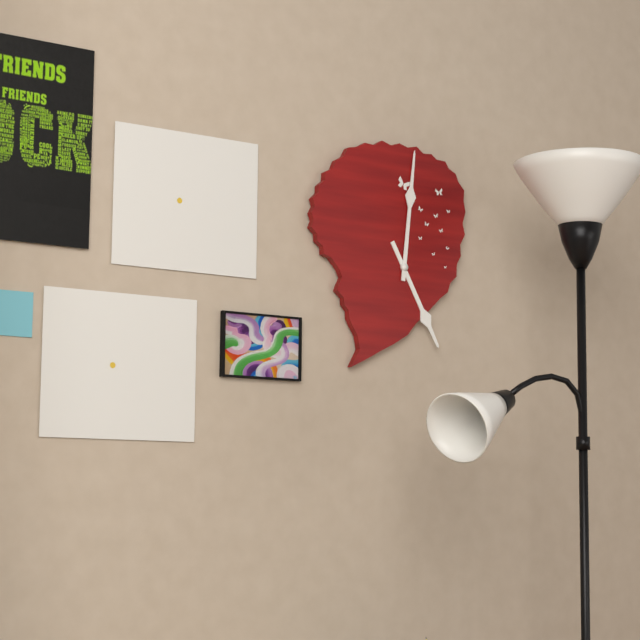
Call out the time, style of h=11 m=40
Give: h=5 m=1
